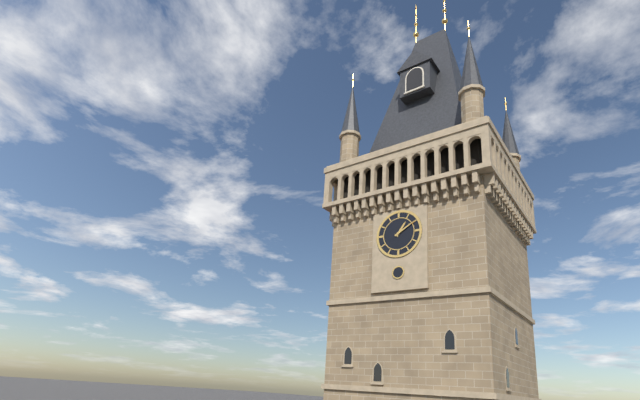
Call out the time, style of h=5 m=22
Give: h=1 m=10
